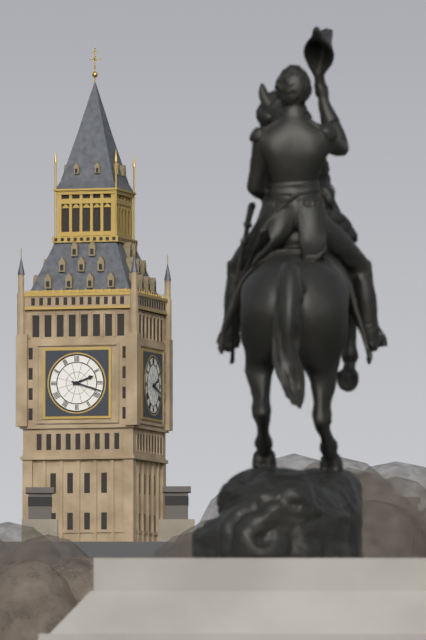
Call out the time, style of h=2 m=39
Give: h=2 m=18
